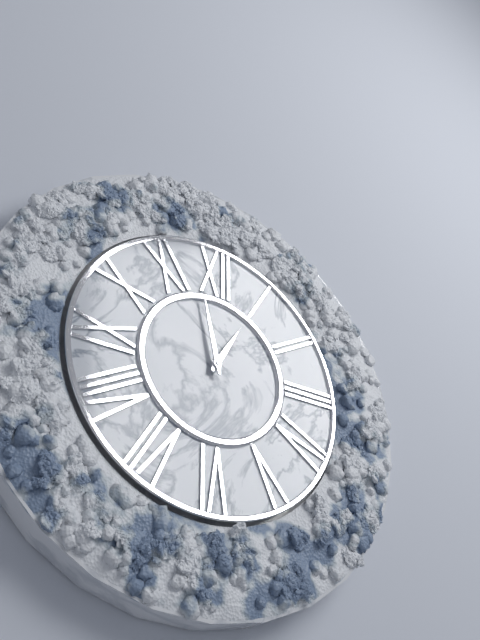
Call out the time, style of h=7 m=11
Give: h=12 m=58
